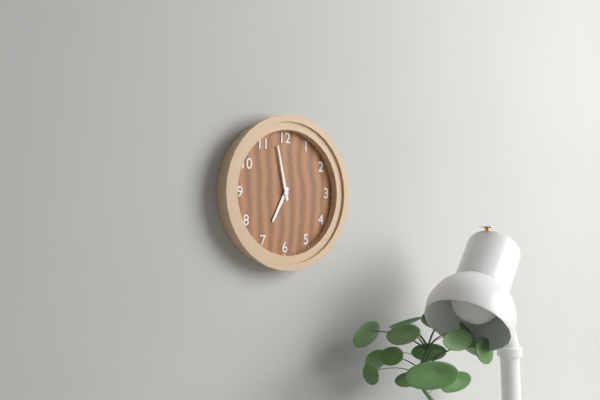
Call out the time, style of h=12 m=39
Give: h=6 m=58
